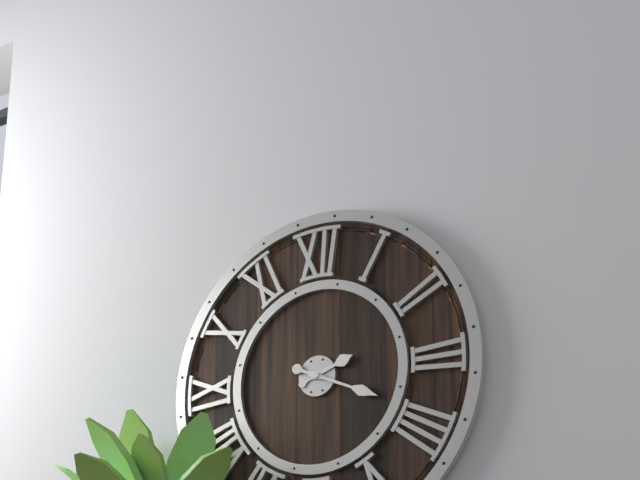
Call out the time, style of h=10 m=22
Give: h=2 m=19
